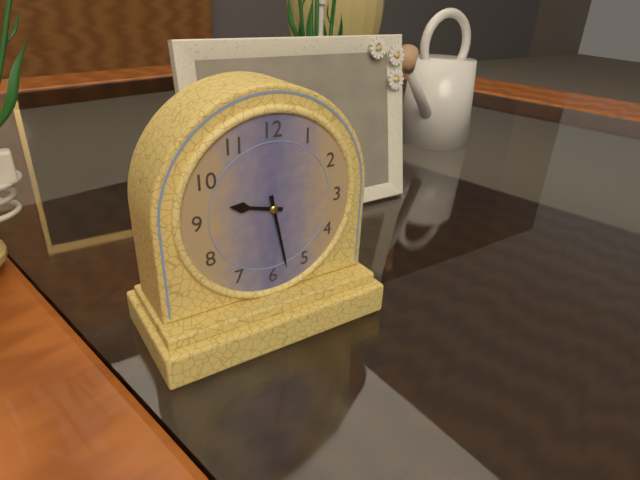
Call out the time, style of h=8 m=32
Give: h=9 m=28
